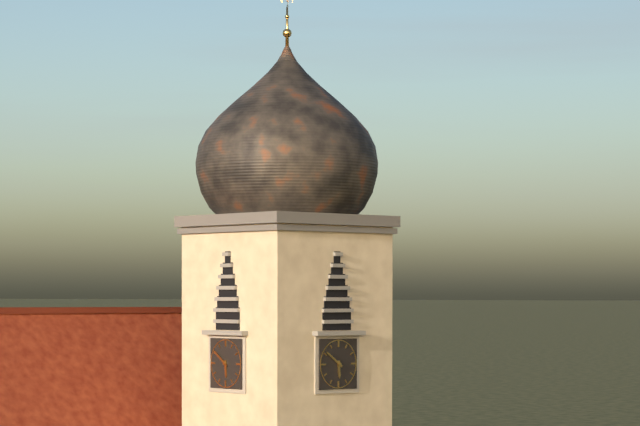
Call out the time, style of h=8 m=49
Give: h=5 m=51
